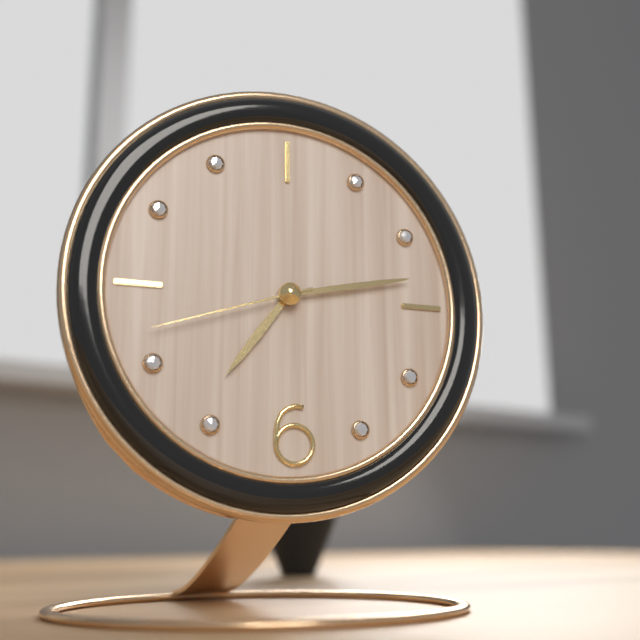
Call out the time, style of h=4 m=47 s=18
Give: h=7 m=13 s=42
